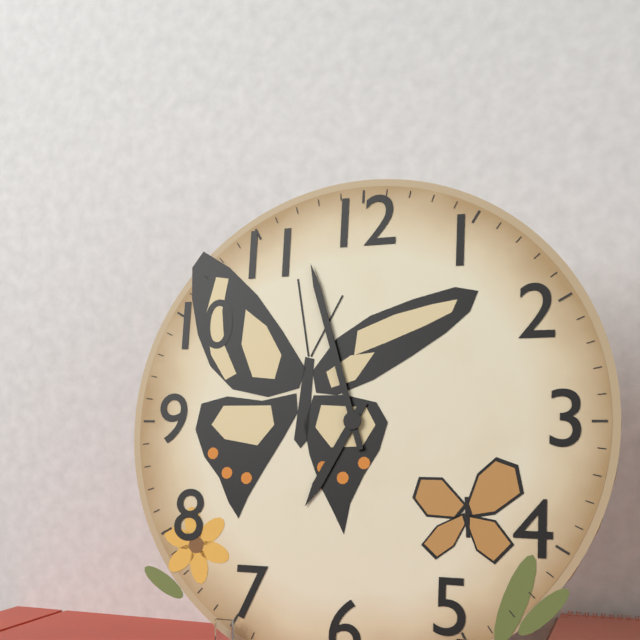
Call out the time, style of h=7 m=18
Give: h=6 m=57
